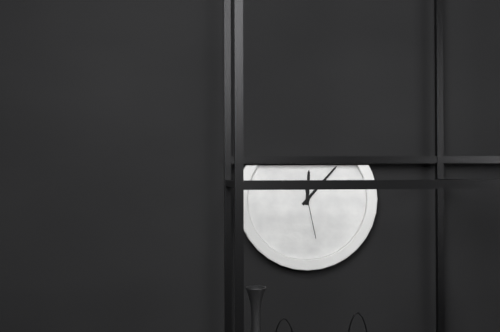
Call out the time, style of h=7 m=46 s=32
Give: h=12 m=7 s=28
